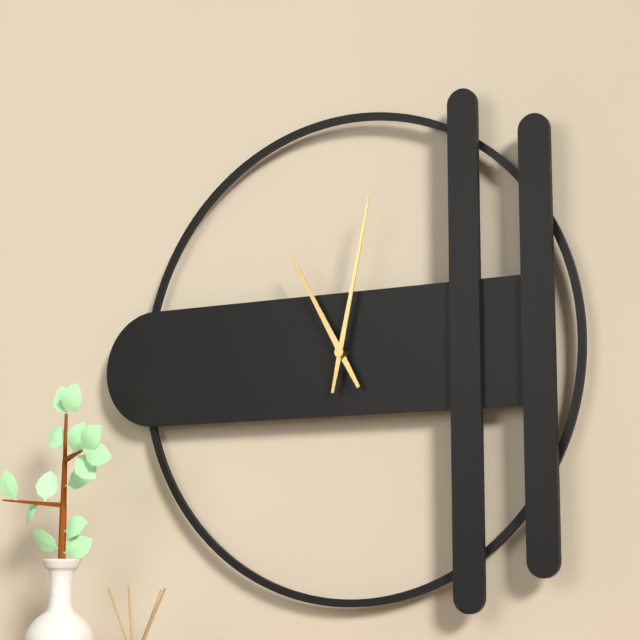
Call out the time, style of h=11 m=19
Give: h=11 m=2
